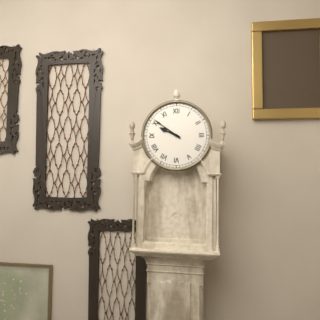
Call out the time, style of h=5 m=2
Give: h=9 m=51
